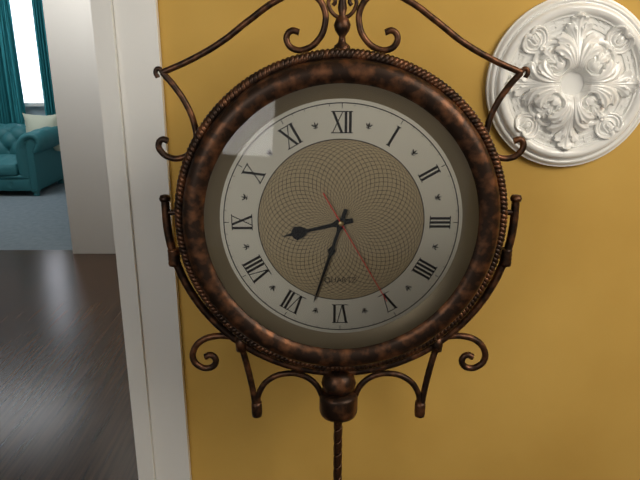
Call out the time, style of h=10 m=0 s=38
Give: h=8 m=33 s=25
